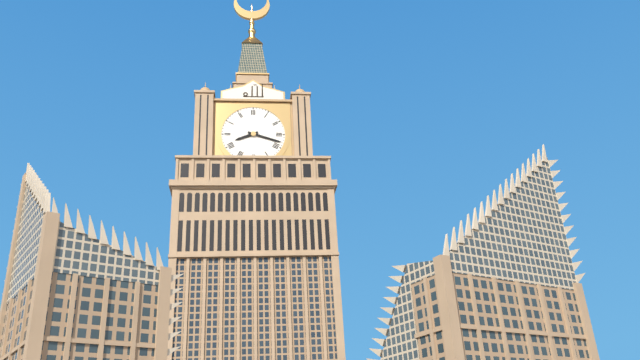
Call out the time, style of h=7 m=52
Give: h=8 m=18
